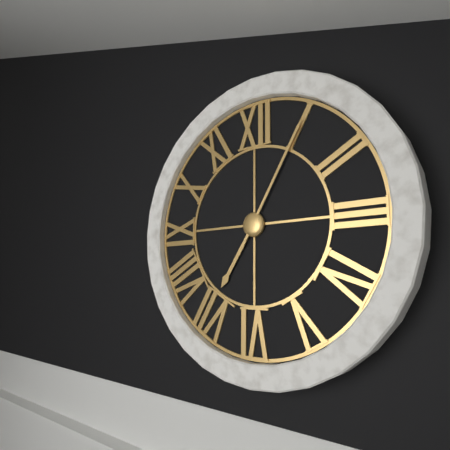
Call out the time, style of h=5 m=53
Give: h=7 m=5
